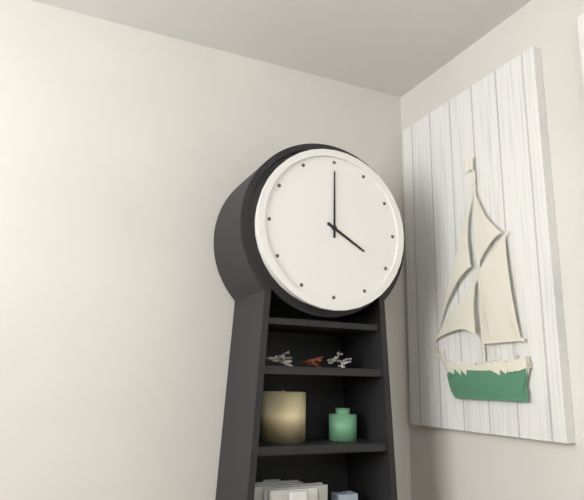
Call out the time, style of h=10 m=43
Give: h=4 m=0
